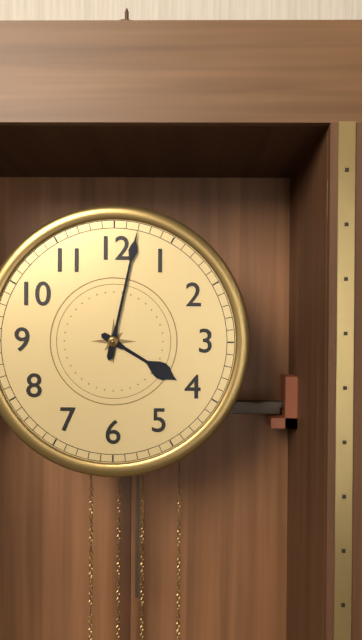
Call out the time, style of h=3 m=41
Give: h=4 m=2
